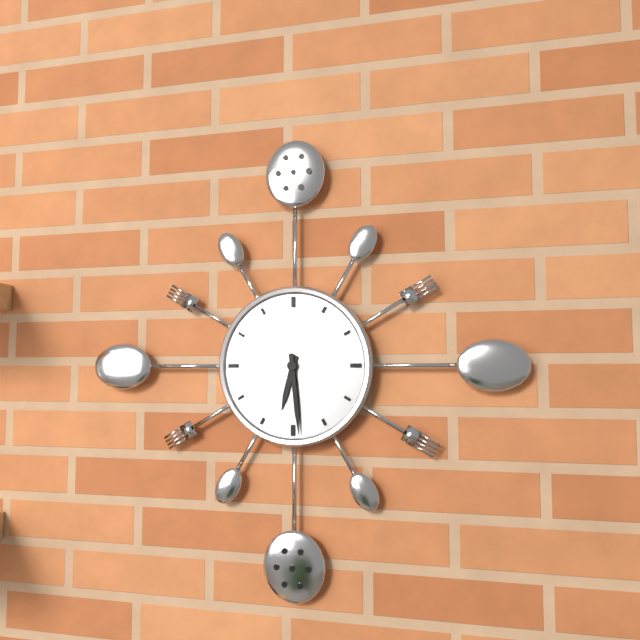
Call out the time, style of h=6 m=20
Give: h=6 m=29
